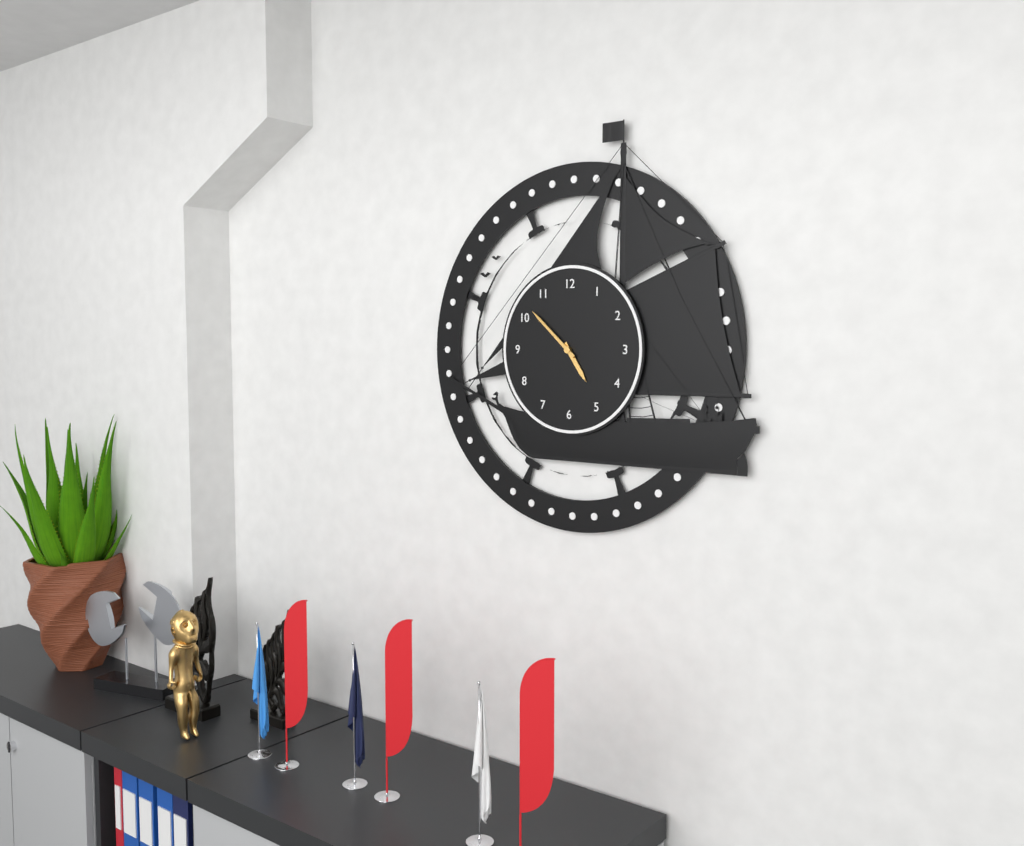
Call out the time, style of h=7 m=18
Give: h=4 m=52
